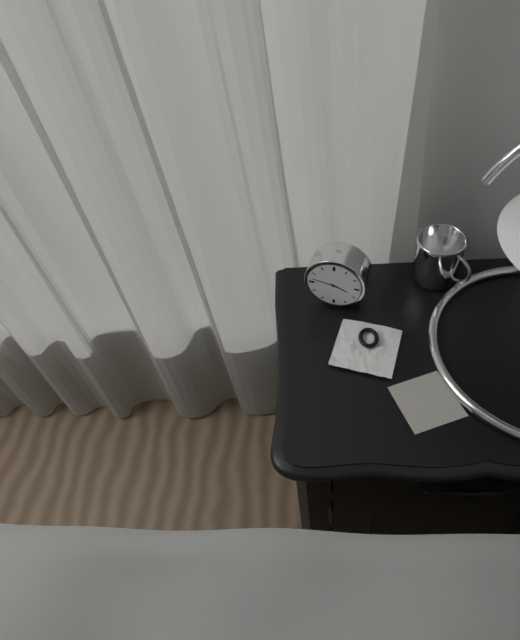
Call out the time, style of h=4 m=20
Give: h=3 m=47
